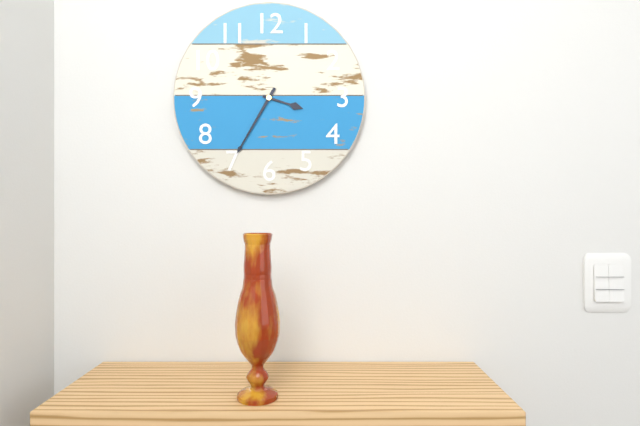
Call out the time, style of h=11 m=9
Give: h=3 m=35
